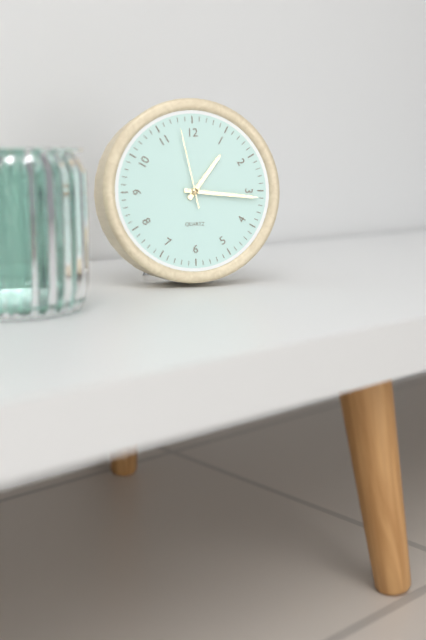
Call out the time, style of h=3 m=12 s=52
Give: h=1 m=16 s=58
